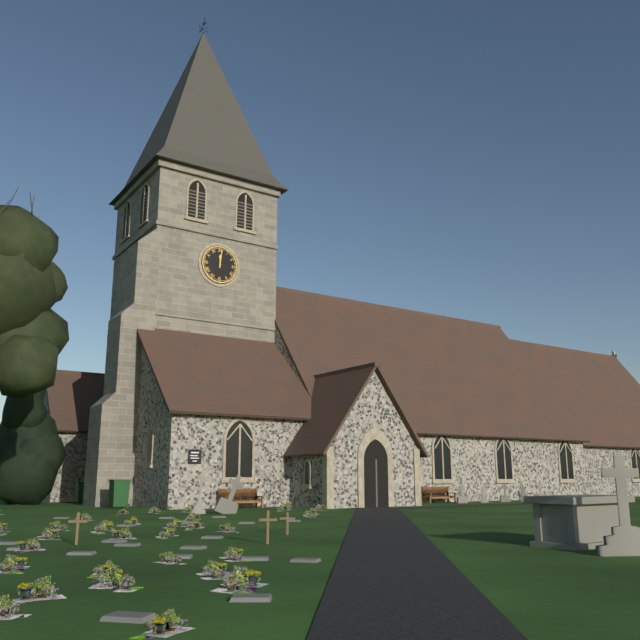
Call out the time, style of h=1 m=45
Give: h=12 m=1
